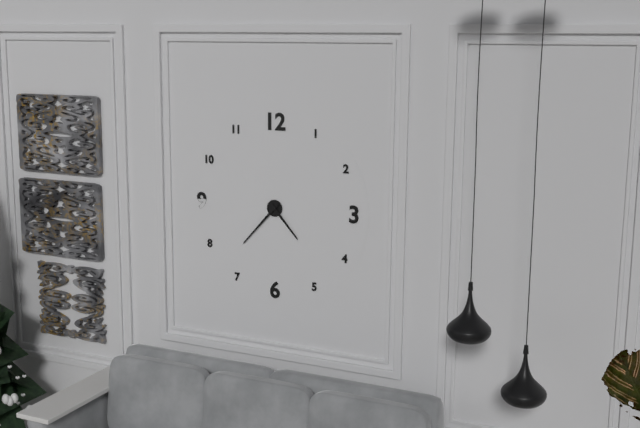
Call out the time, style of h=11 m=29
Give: h=4 m=37
